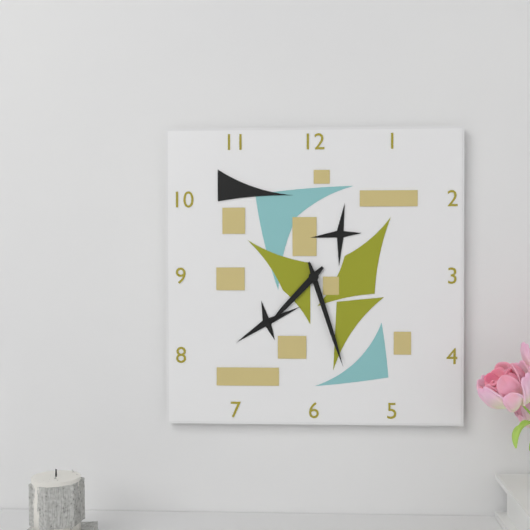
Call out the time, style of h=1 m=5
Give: h=7 m=27
